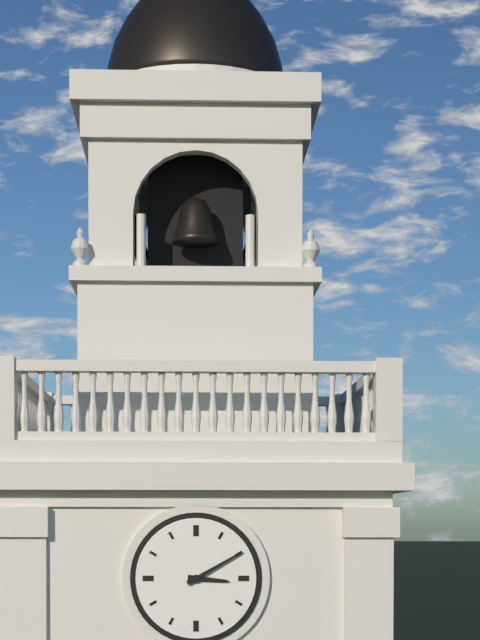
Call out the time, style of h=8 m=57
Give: h=3 m=10
